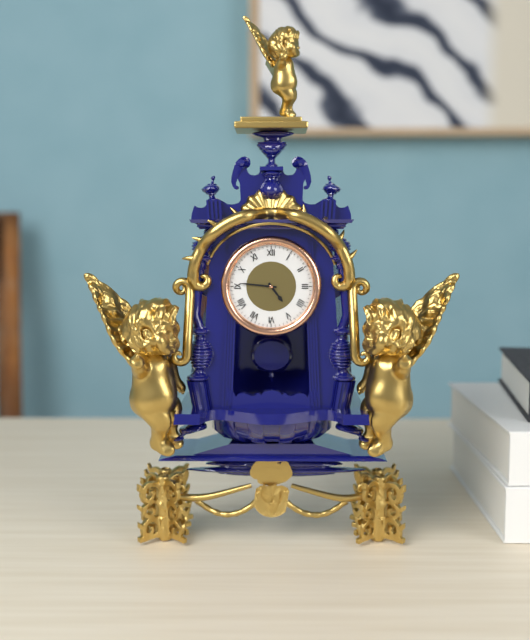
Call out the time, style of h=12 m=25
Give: h=4 m=46
